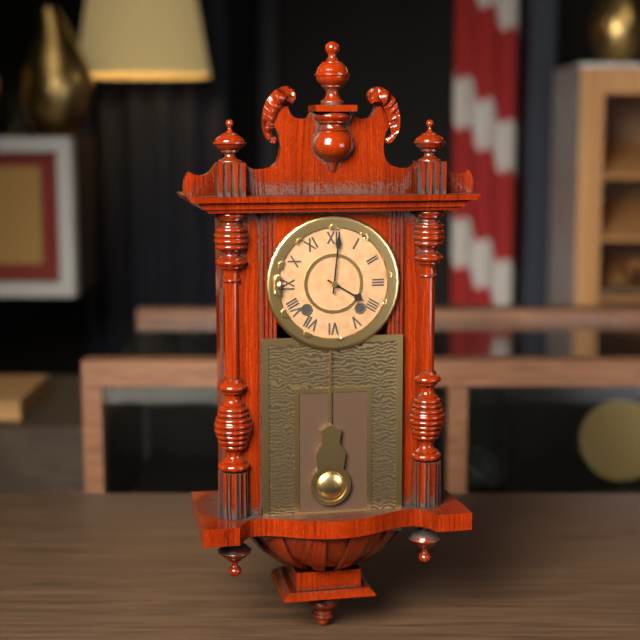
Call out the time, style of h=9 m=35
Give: h=4 m=1
